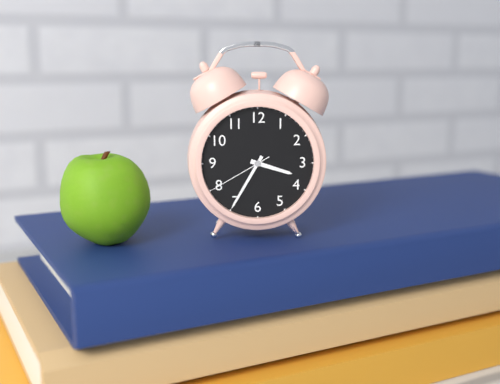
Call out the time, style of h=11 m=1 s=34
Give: h=3 m=35 s=40
